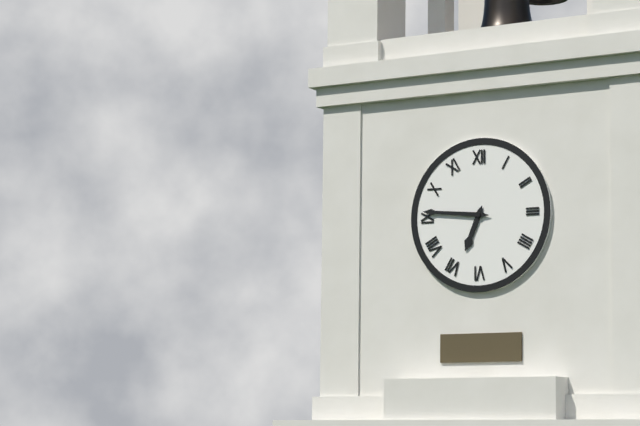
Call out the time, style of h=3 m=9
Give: h=6 m=46
